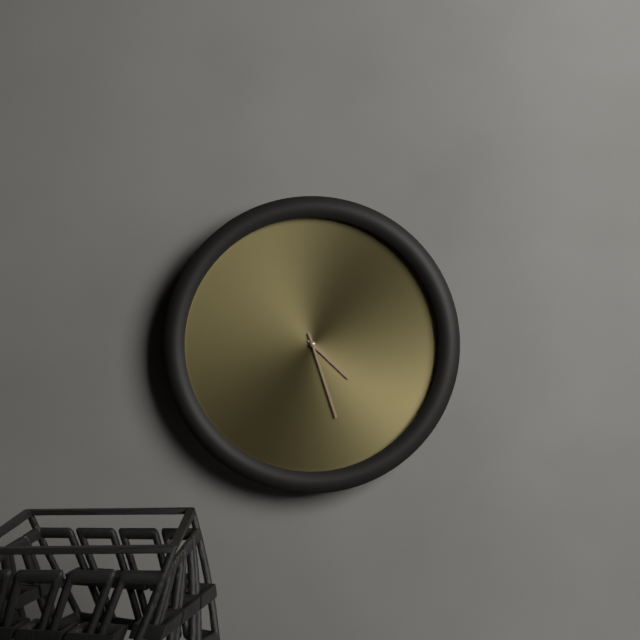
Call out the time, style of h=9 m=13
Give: h=4 m=27
